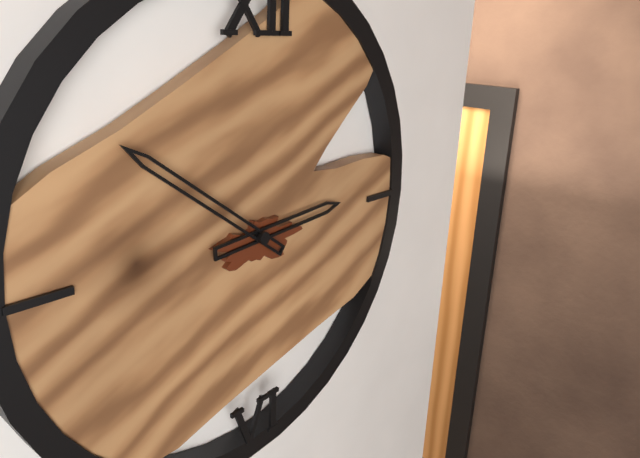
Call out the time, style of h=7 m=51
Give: h=2 m=51
